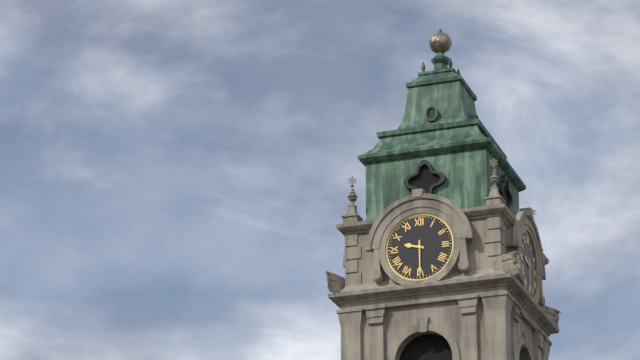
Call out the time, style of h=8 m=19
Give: h=9 m=30
